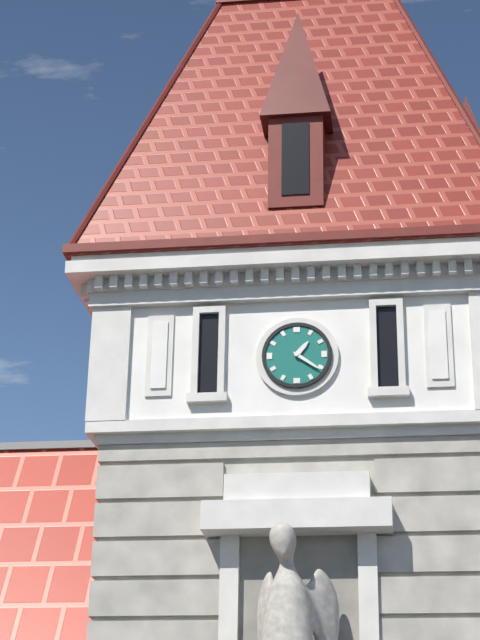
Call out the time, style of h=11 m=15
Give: h=1 m=21
